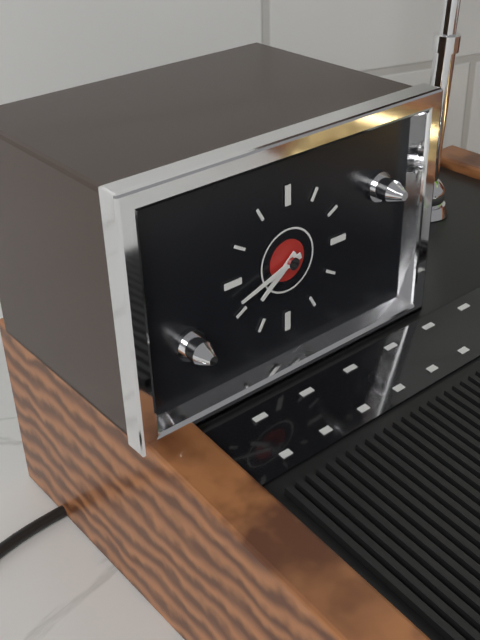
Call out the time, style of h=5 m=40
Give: h=7 m=42
